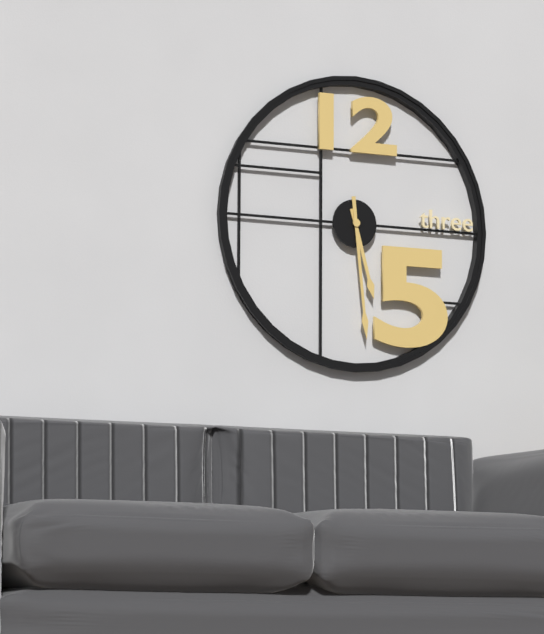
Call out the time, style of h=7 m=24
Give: h=5 m=29
